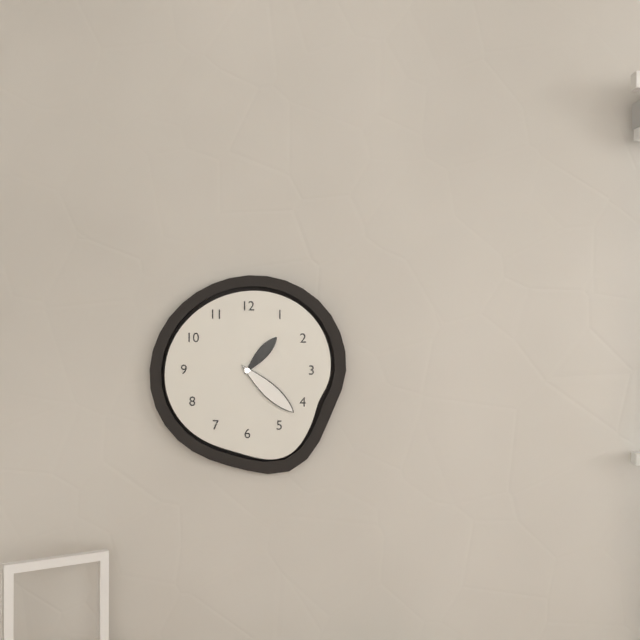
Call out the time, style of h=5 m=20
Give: h=1 m=22
